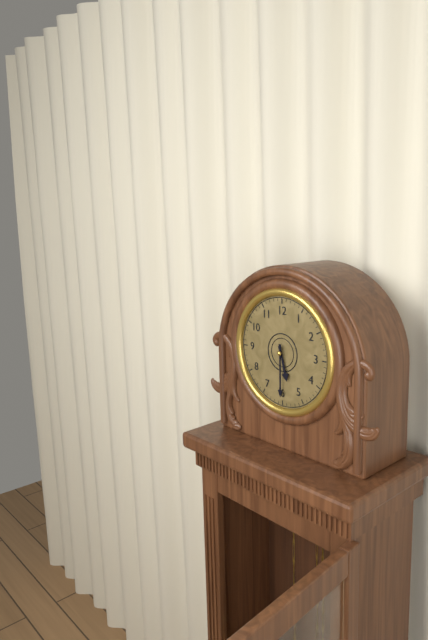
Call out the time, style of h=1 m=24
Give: h=5 m=30
